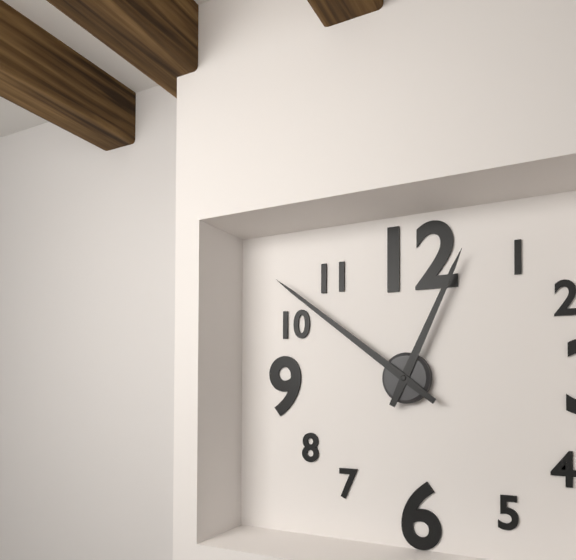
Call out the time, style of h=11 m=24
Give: h=12 m=51
